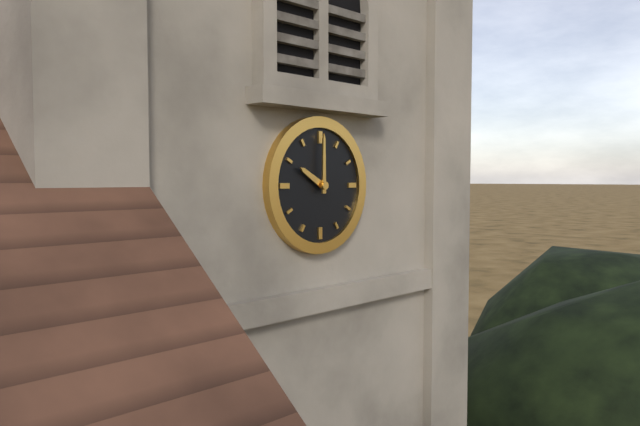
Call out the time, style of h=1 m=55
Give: h=10 m=0
